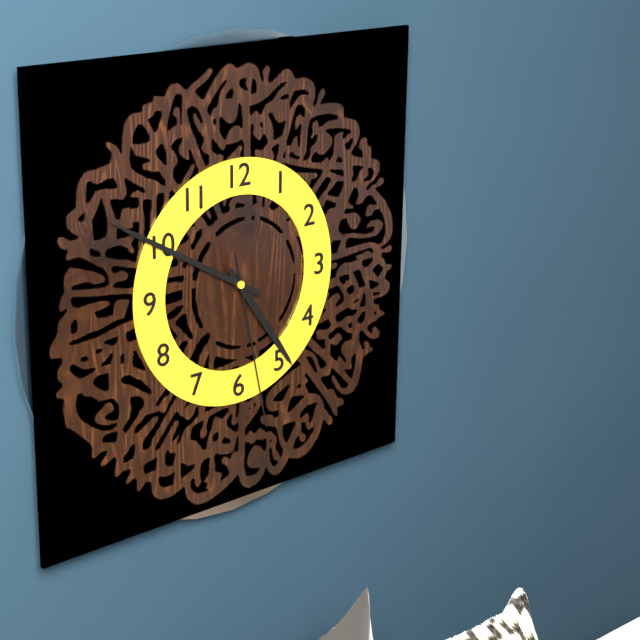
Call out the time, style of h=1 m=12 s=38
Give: h=4 m=50 s=28
